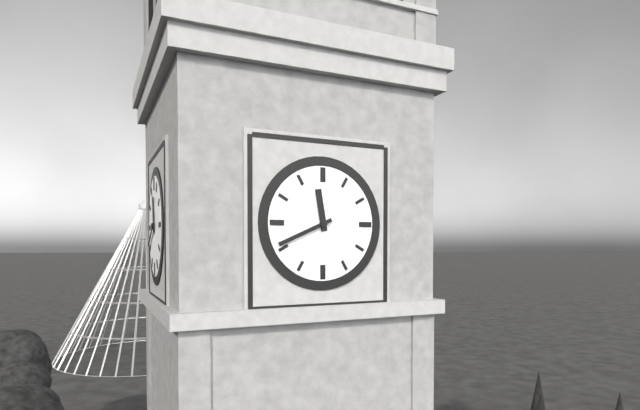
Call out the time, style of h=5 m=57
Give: h=11 m=41
